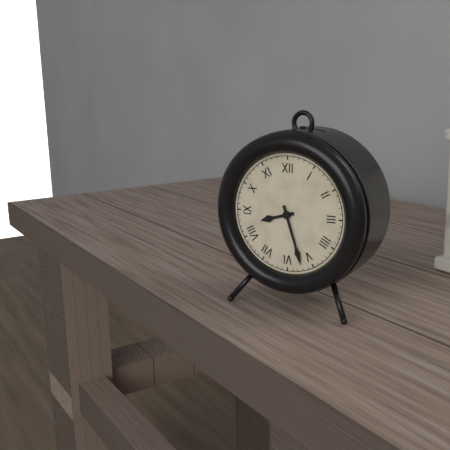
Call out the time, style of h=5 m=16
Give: h=8 m=27
